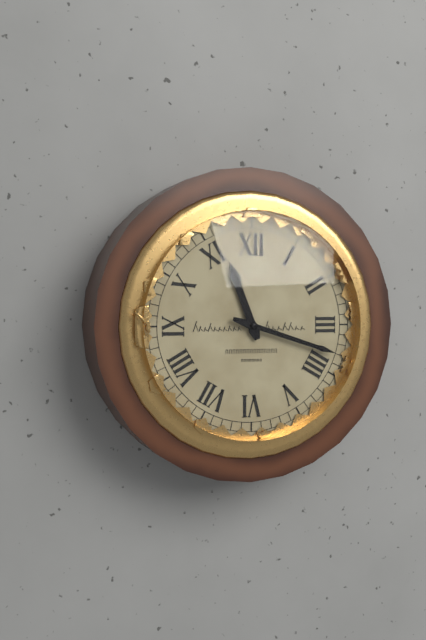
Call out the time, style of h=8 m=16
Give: h=11 m=18
